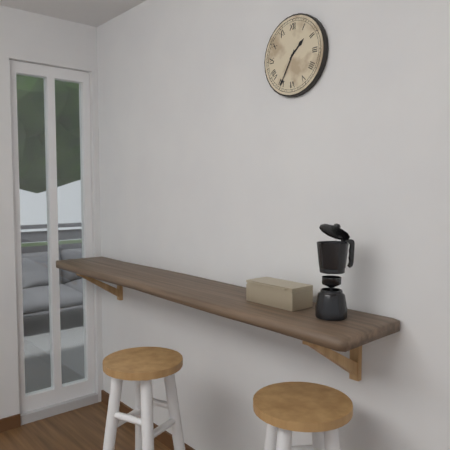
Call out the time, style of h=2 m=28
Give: h=1 m=35
